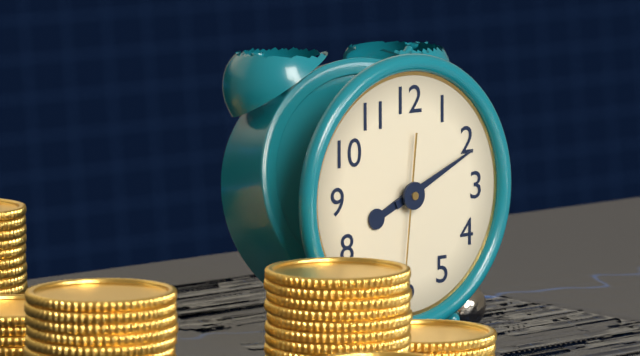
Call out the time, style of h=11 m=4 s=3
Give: h=8 m=11 s=31
